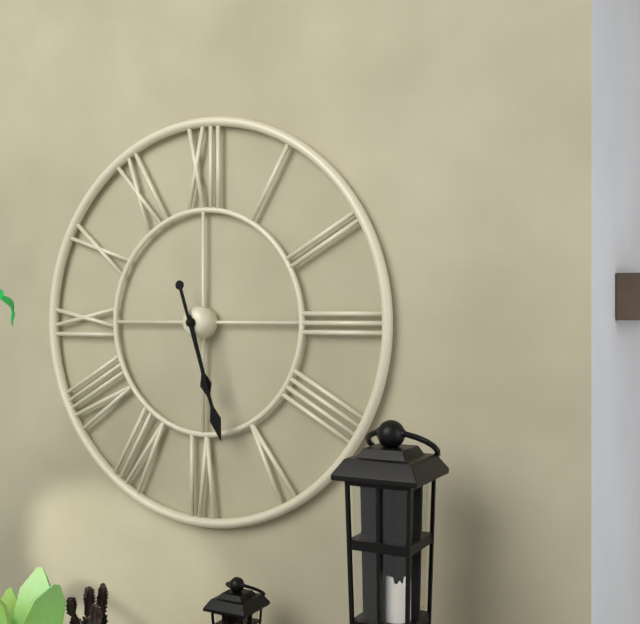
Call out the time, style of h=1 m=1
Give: h=5 m=27
